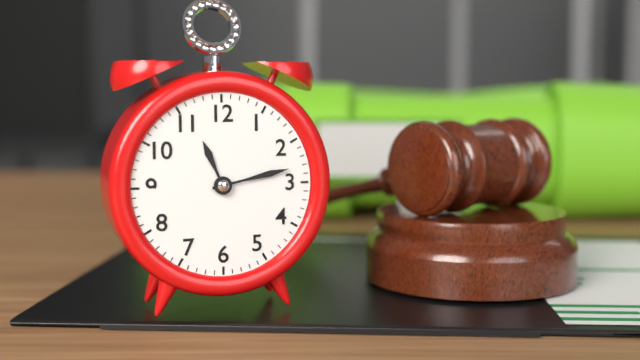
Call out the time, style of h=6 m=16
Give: h=11 m=13
